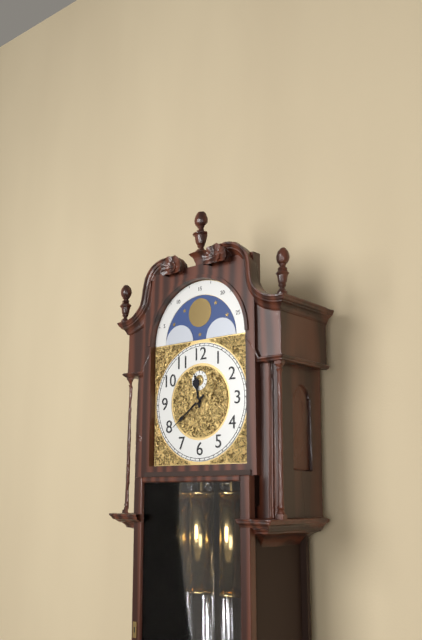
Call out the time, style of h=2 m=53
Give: h=11 m=39
